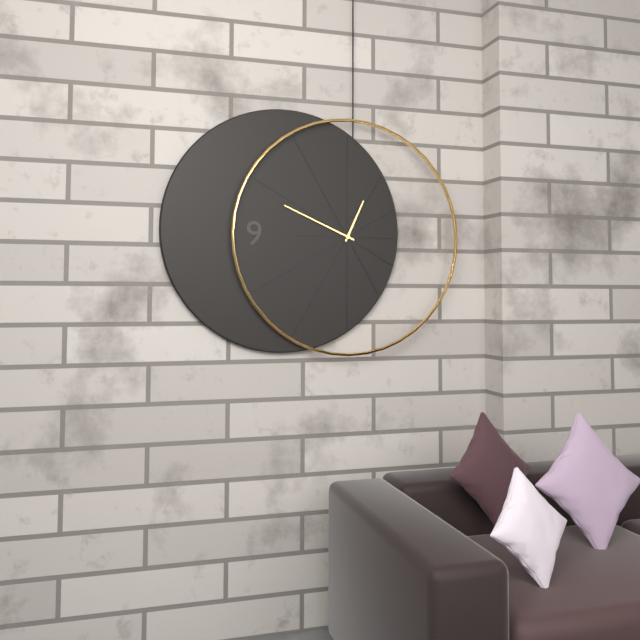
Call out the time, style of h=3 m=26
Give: h=12 m=49
